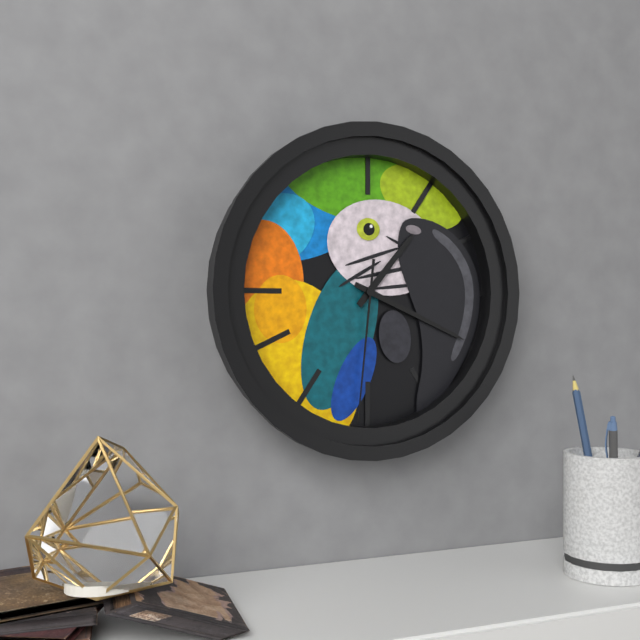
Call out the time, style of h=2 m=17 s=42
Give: h=1 m=19 s=31
